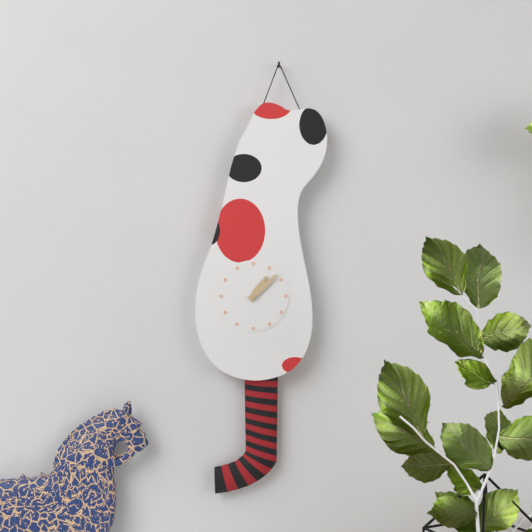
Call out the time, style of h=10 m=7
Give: h=1 m=8
